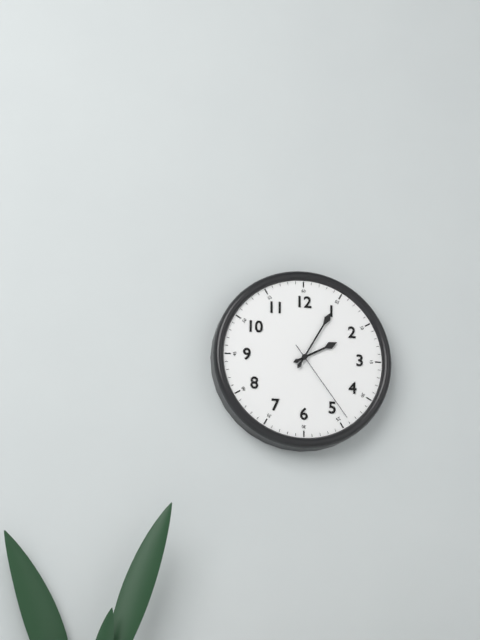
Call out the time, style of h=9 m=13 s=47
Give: h=2 m=5 s=24
